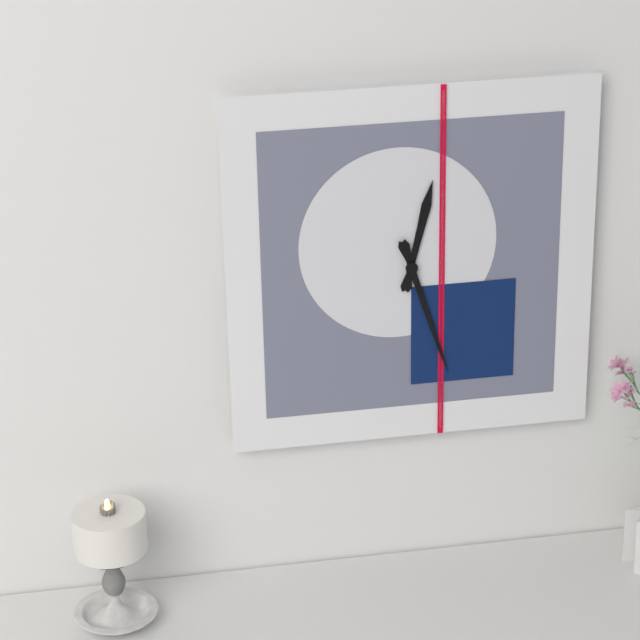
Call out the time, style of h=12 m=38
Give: h=12 m=27
